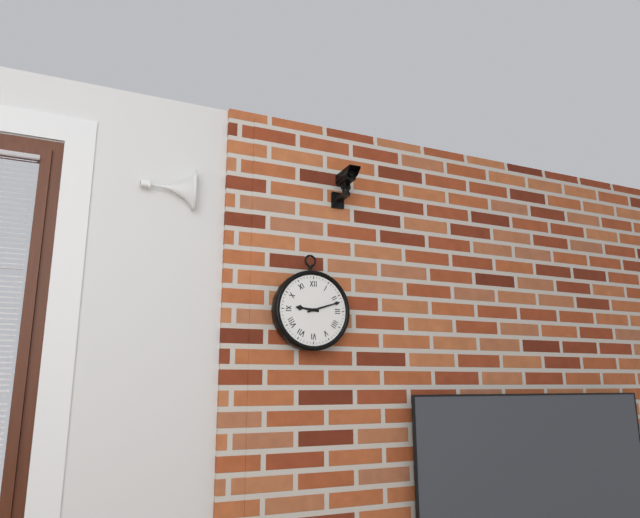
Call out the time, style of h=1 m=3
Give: h=9 m=12
